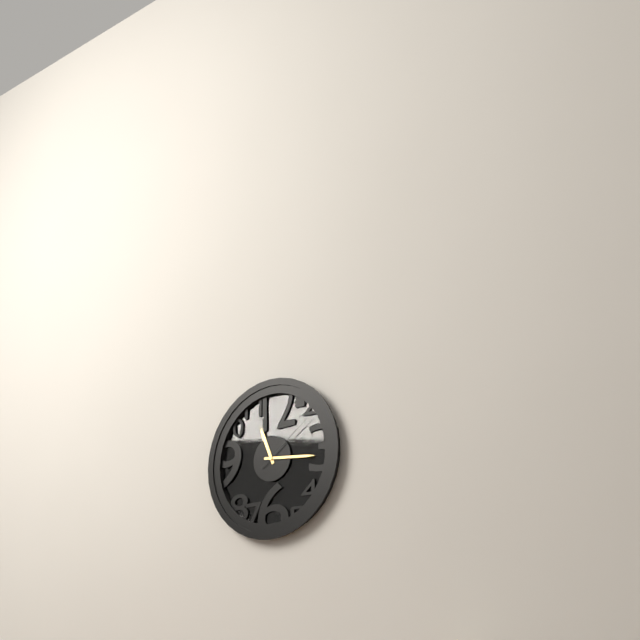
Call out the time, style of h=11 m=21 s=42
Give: h=11 m=16 s=9
